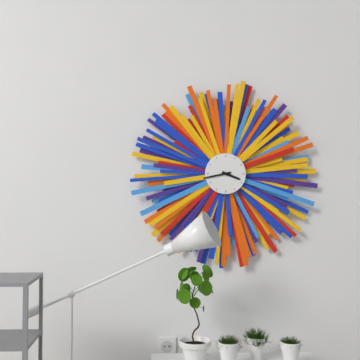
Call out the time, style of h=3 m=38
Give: h=3 m=43
